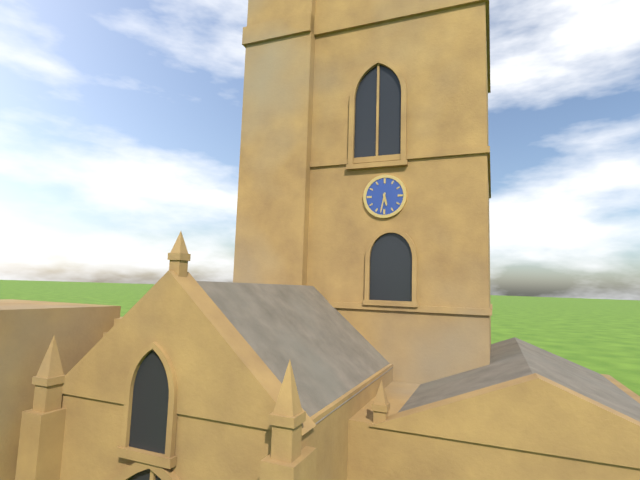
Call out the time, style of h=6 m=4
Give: h=5 m=32
